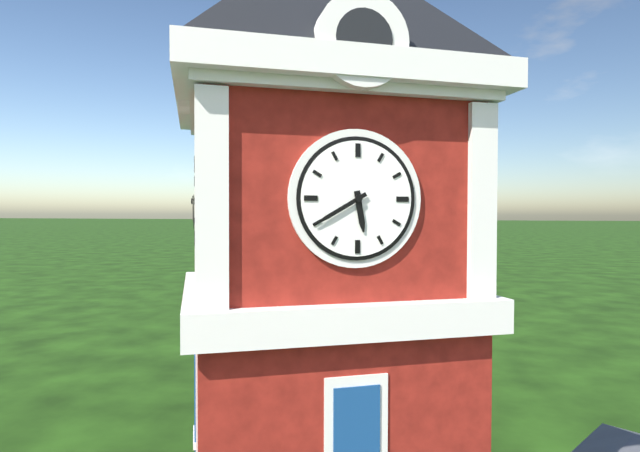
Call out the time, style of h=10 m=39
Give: h=5 m=40
